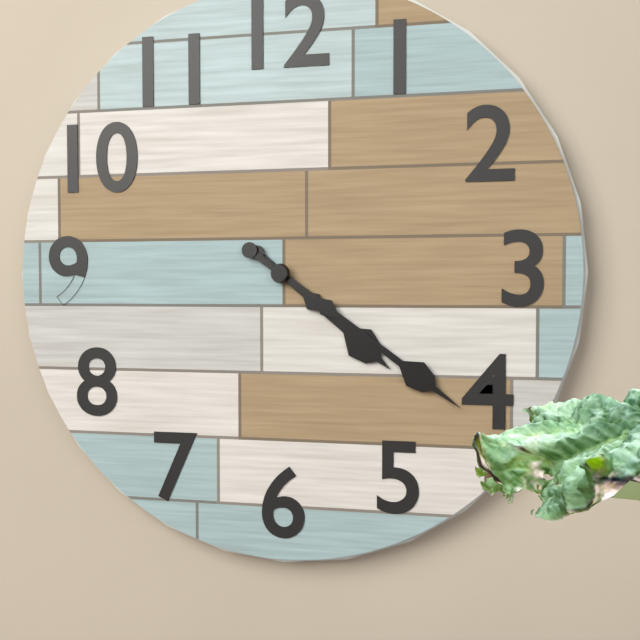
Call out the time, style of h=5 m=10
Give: h=4 m=21
